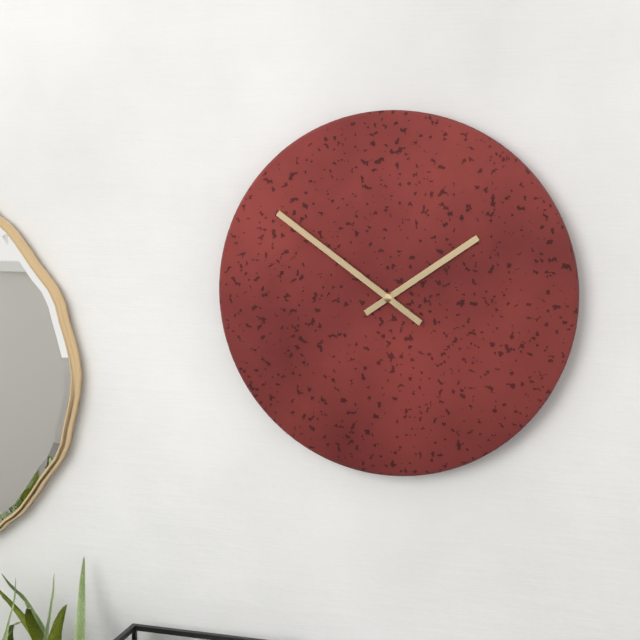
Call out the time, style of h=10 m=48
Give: h=1 m=51
